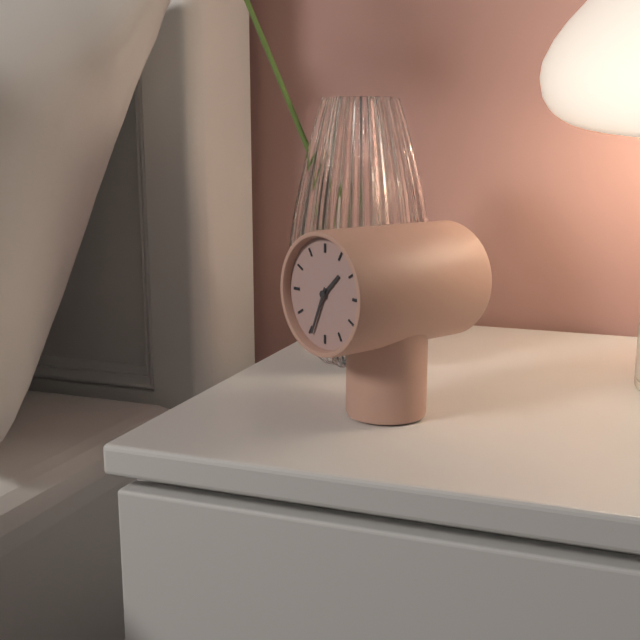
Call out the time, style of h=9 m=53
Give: h=1 m=34
